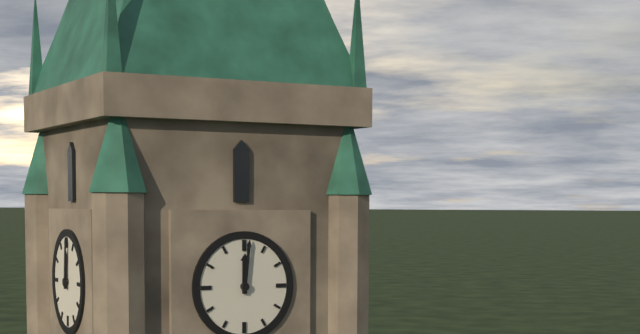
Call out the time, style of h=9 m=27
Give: h=12 m=1
